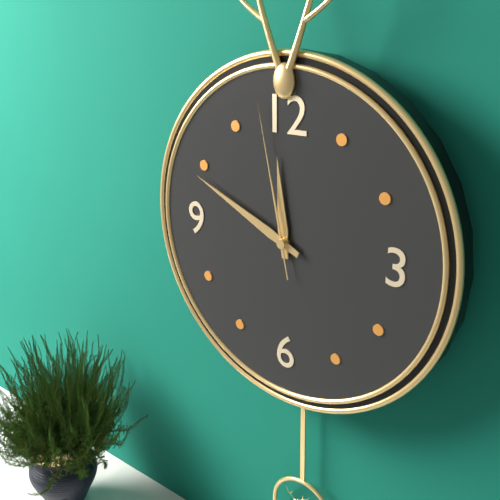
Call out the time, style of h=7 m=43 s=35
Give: h=11 m=49 s=58
